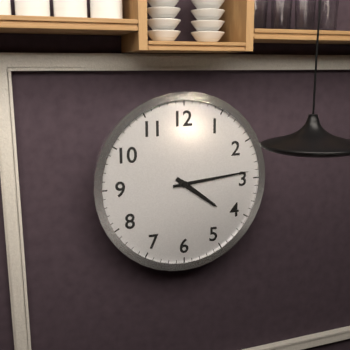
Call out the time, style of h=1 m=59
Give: h=4 m=14
